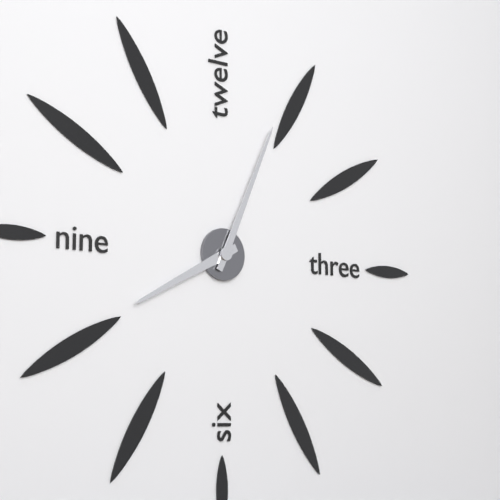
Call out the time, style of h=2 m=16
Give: h=8 m=4
